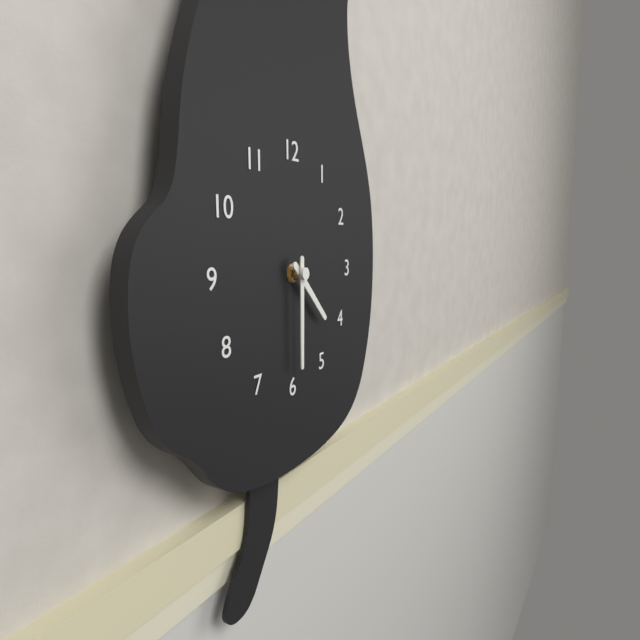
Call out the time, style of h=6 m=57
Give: h=4 m=30
